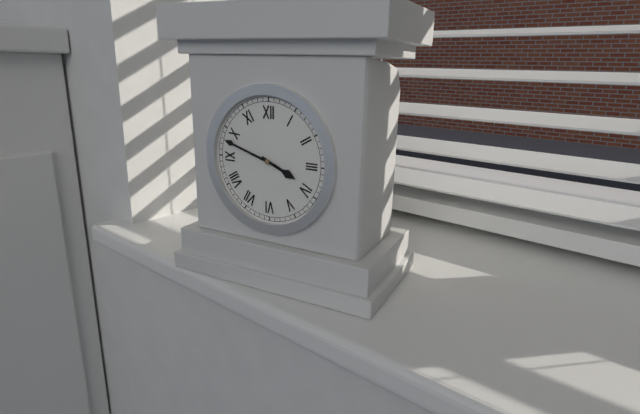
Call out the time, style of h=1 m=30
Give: h=3 m=48
